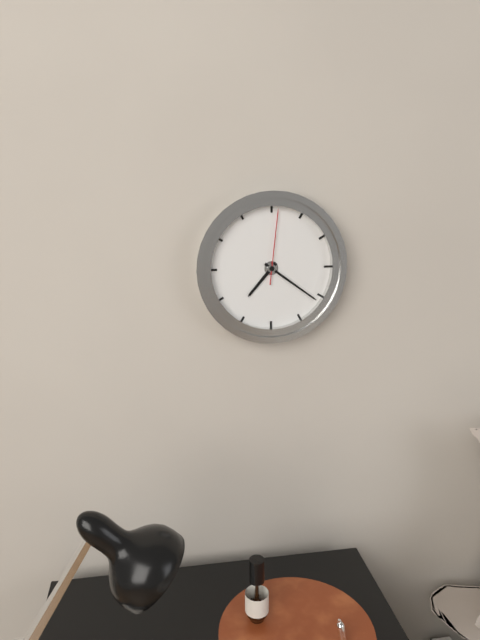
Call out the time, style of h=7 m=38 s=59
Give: h=7 m=21 s=1
